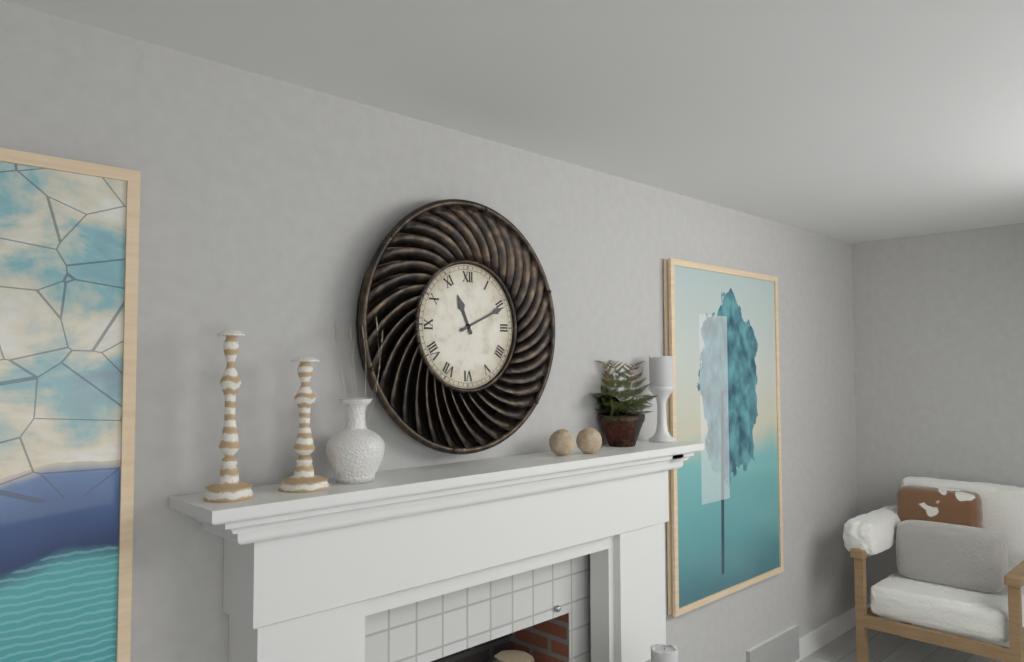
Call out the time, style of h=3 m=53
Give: h=11 m=11
